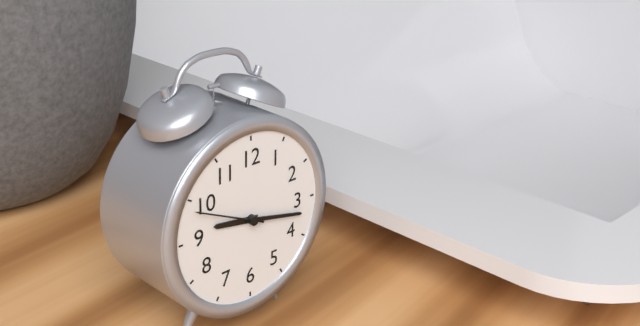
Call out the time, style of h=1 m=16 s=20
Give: h=9 m=17 s=49
